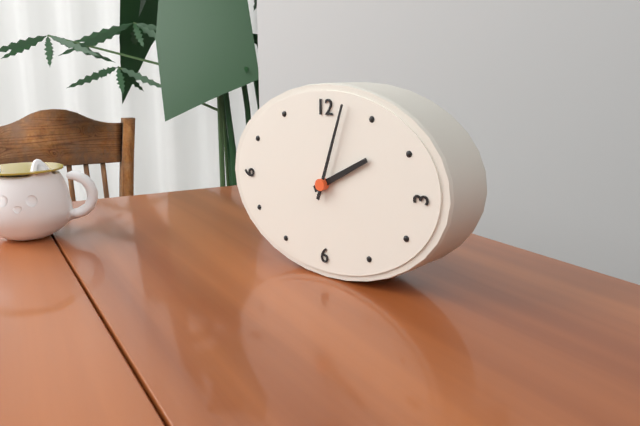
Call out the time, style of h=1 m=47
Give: h=2 m=3
